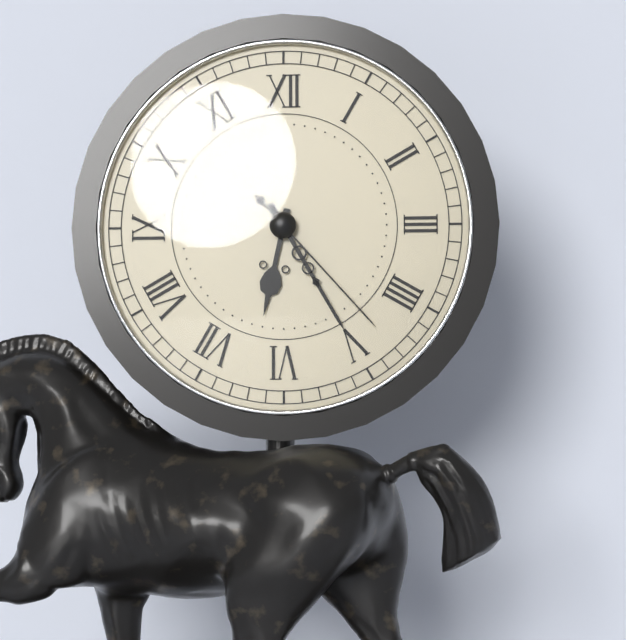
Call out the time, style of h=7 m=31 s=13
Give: h=6 m=25 s=23
